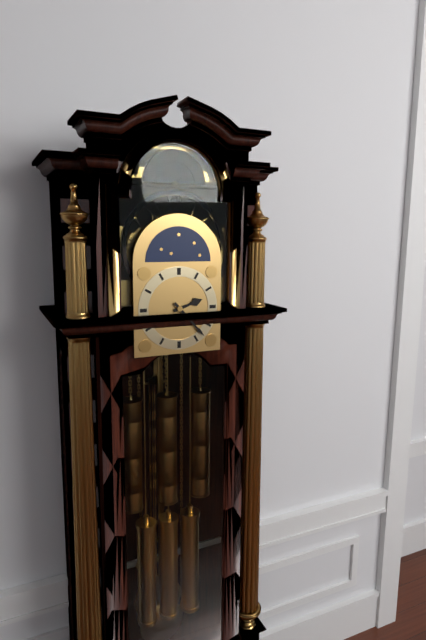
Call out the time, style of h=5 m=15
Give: h=2 m=23
